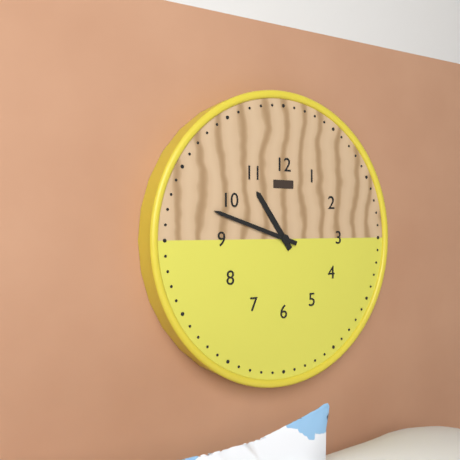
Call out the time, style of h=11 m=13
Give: h=10 m=48
